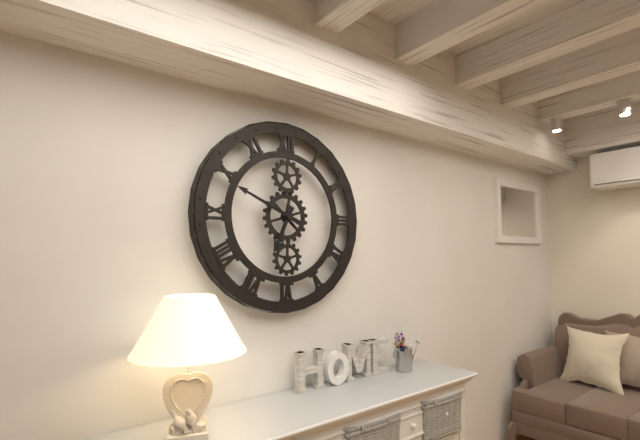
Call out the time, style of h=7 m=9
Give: h=6 m=49
